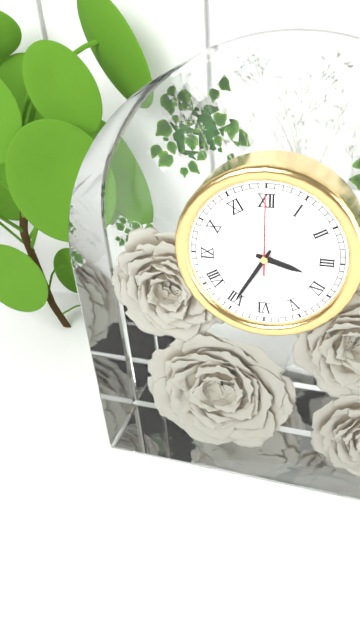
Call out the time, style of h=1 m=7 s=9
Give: h=3 m=35 s=0
